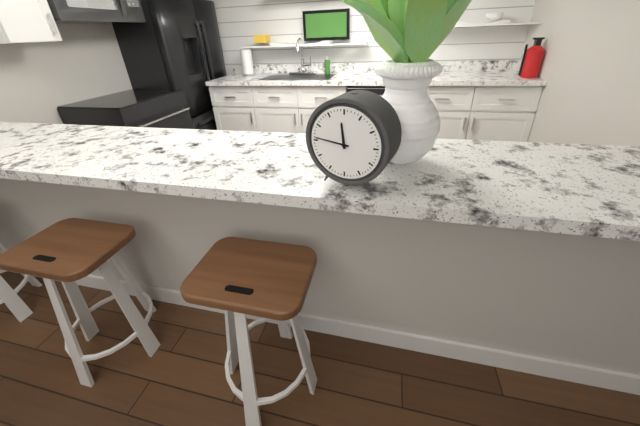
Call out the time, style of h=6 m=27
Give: h=11 m=46
